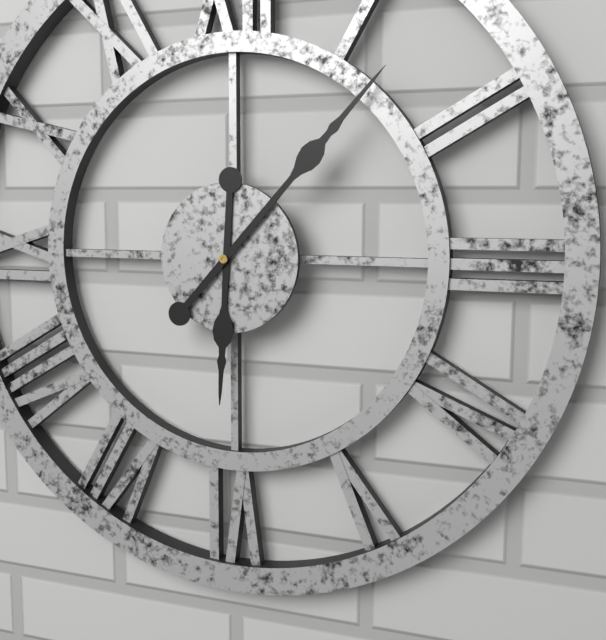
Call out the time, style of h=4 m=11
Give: h=6 m=7
